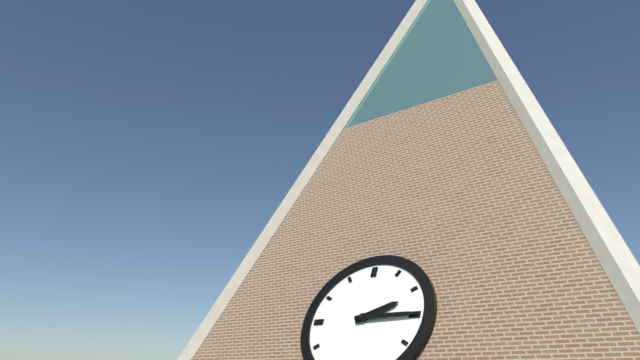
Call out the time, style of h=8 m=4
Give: h=2 m=15
